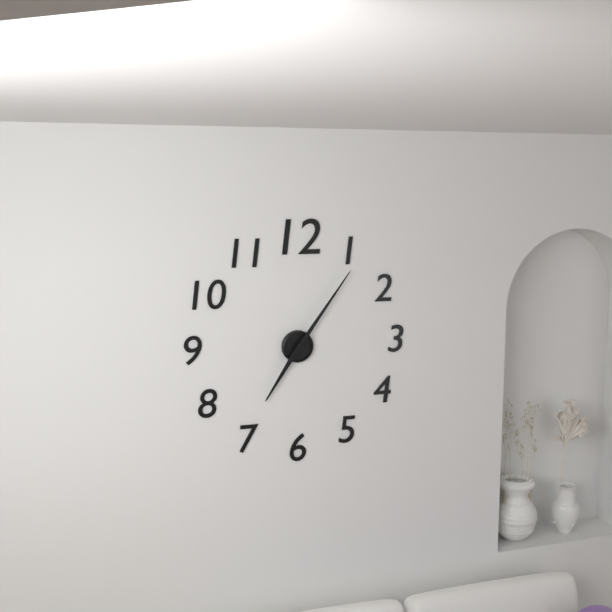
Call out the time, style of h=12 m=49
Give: h=7 m=6
